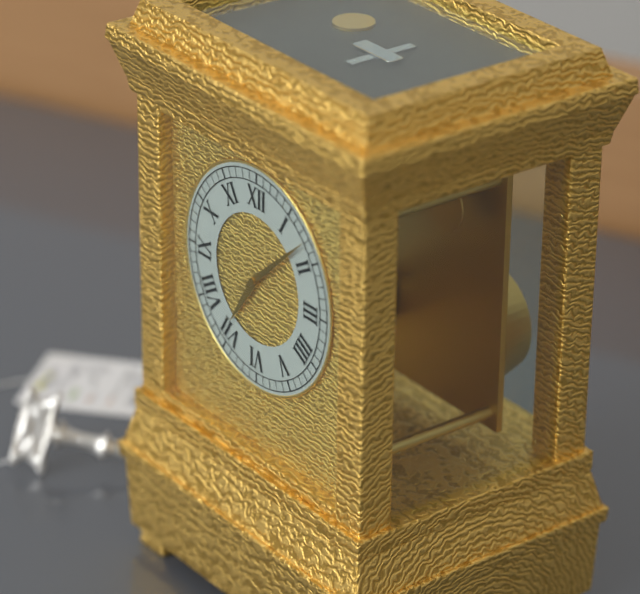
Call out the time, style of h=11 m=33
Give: h=7 m=8
